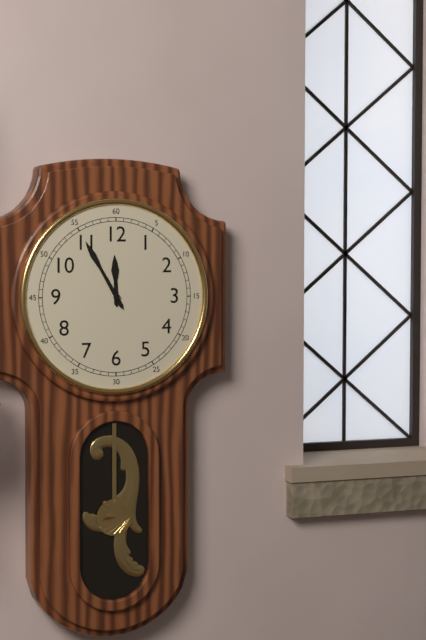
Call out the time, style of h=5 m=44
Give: h=11 m=55
